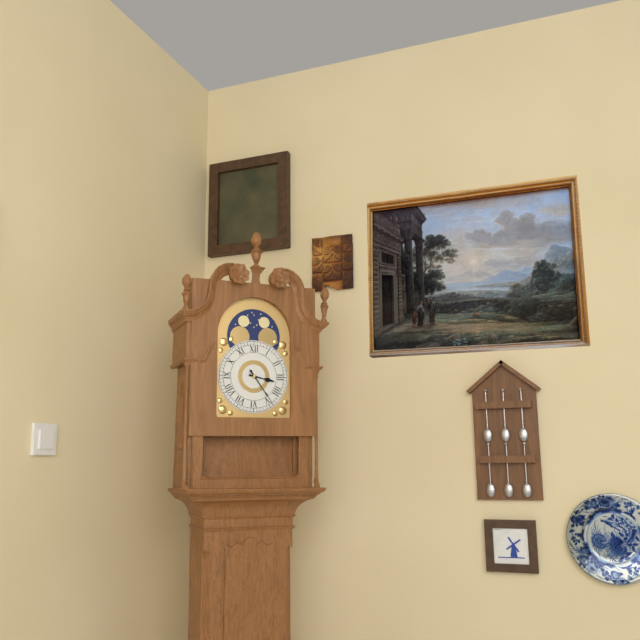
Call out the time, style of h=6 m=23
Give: h=3 m=24
